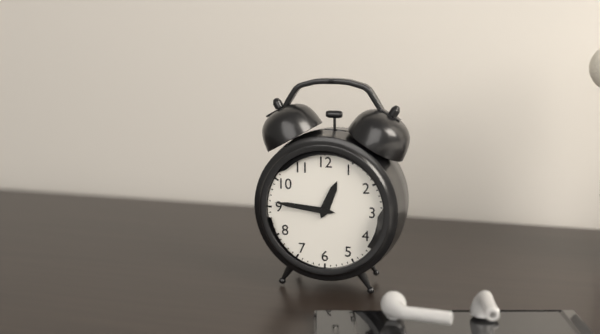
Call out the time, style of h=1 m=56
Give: h=12 m=46
